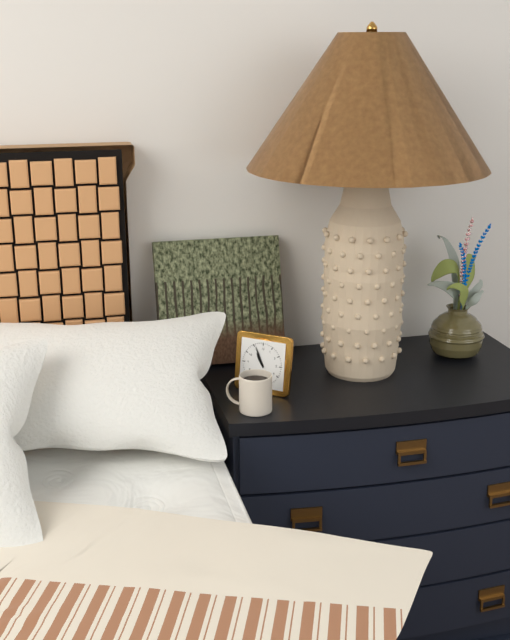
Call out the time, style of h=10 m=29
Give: h=10 m=56
